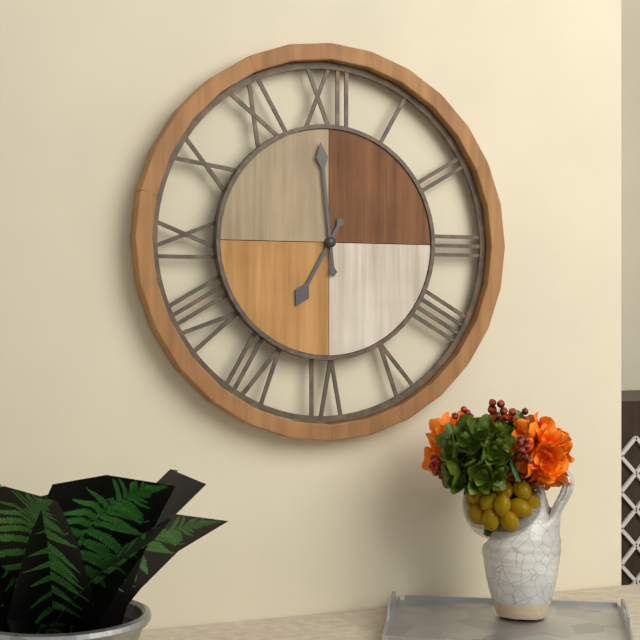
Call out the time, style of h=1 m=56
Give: h=6 m=59
